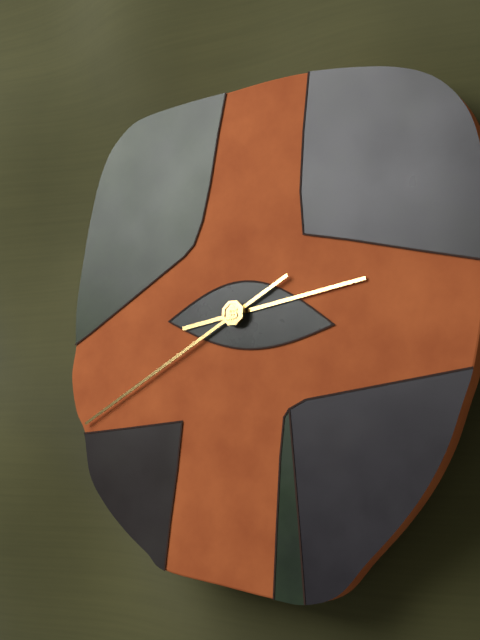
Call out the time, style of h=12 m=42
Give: h=2 m=40
